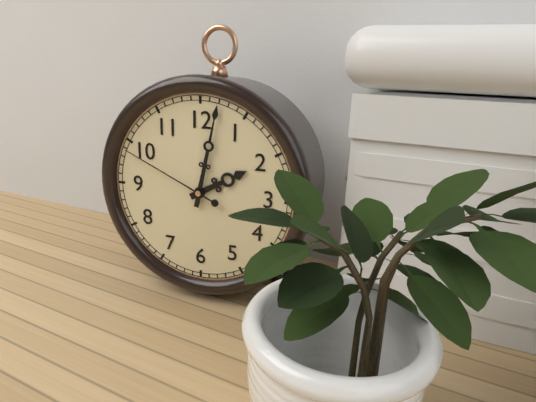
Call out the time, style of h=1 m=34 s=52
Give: h=2 m=2 s=49
